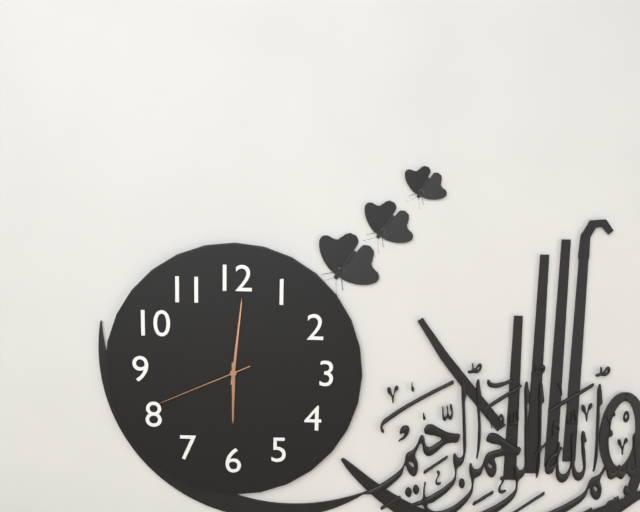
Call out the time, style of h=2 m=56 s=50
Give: h=6 m=1 s=41
